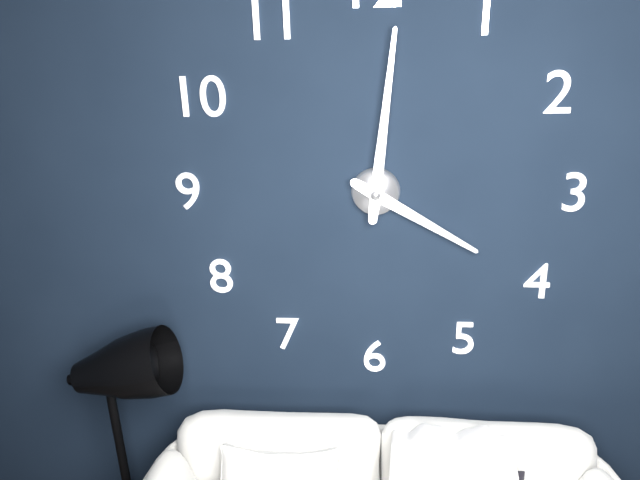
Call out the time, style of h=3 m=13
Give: h=4 m=1
